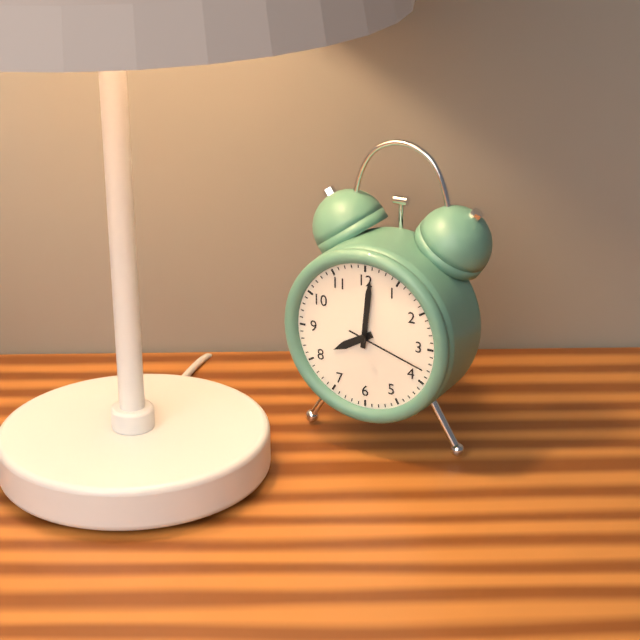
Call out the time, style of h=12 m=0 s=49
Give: h=8 m=1 s=18
